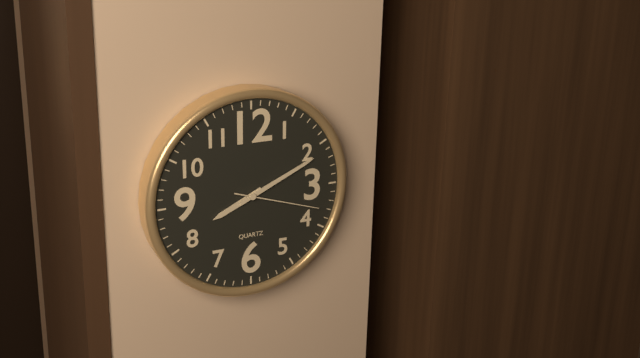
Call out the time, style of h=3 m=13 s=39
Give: h=8 m=11 s=18
